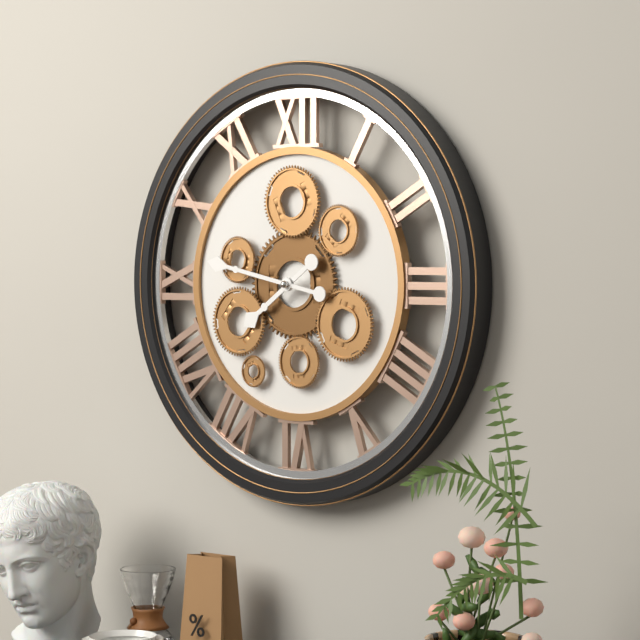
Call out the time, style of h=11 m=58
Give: h=7 m=47
